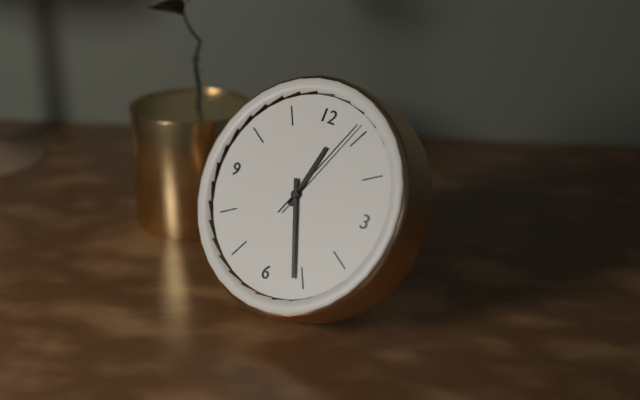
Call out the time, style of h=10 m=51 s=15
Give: h=12 m=26 s=4
